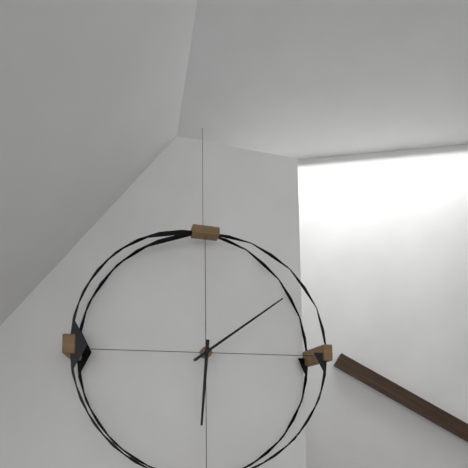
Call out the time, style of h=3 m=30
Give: h=6 m=9
